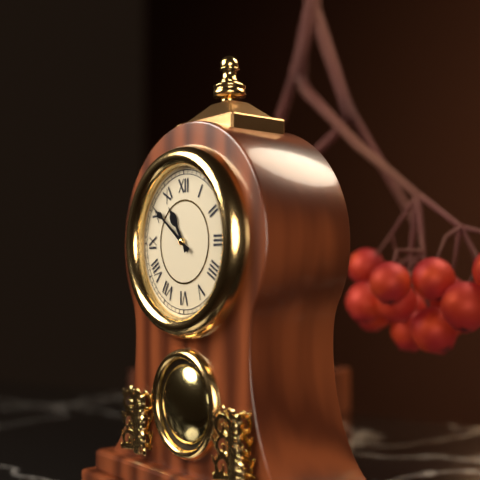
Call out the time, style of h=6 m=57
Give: h=10 m=51
